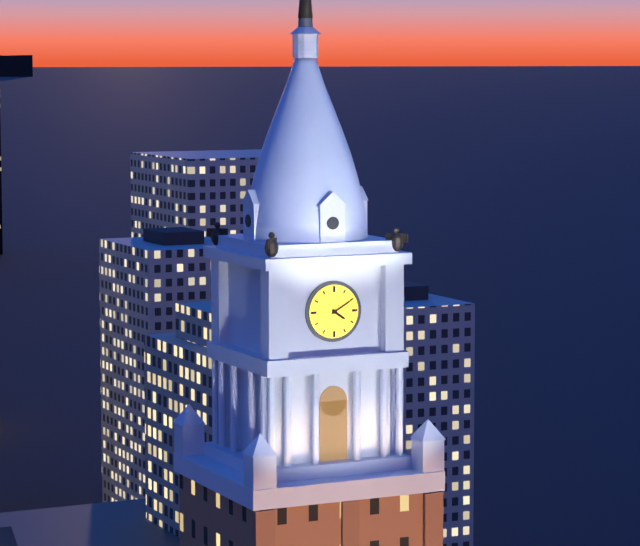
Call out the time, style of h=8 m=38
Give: h=4 m=10
